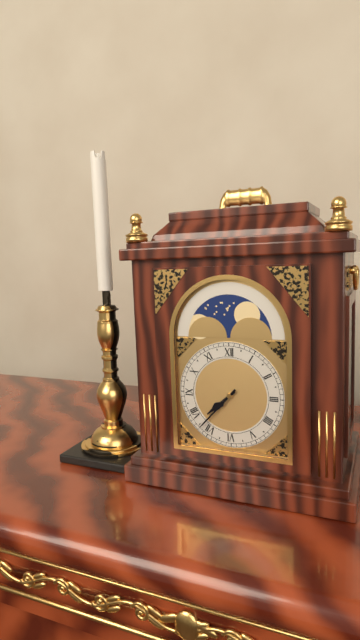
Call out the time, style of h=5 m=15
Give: h=7 m=37
